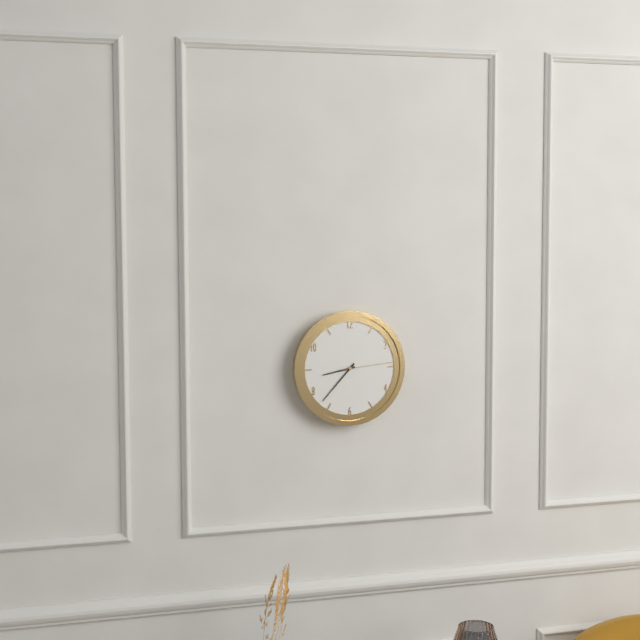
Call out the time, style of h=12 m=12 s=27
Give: h=8 m=37 s=14
